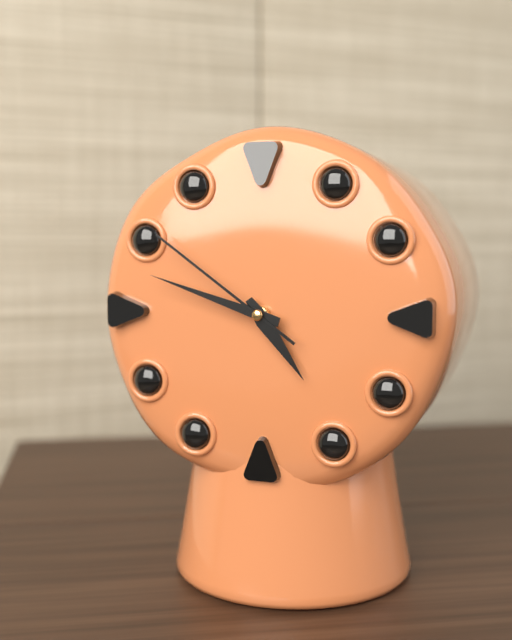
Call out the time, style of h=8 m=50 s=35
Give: h=4 m=48 s=51
